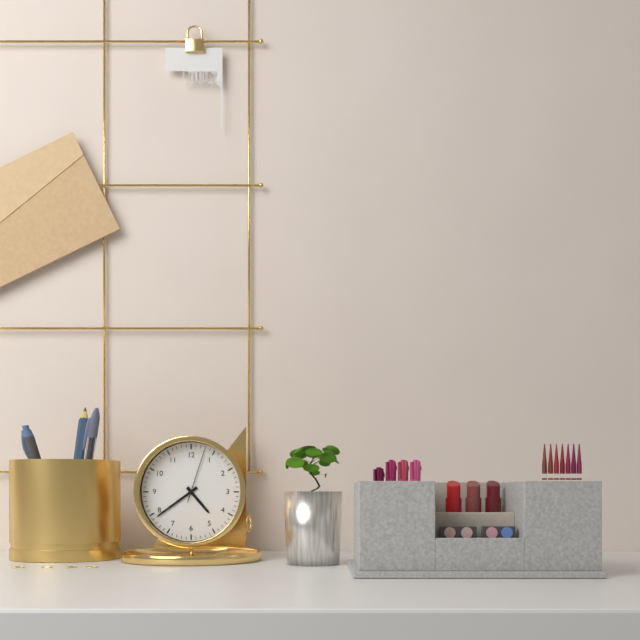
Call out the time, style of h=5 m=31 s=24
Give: h=4 m=39 s=3
